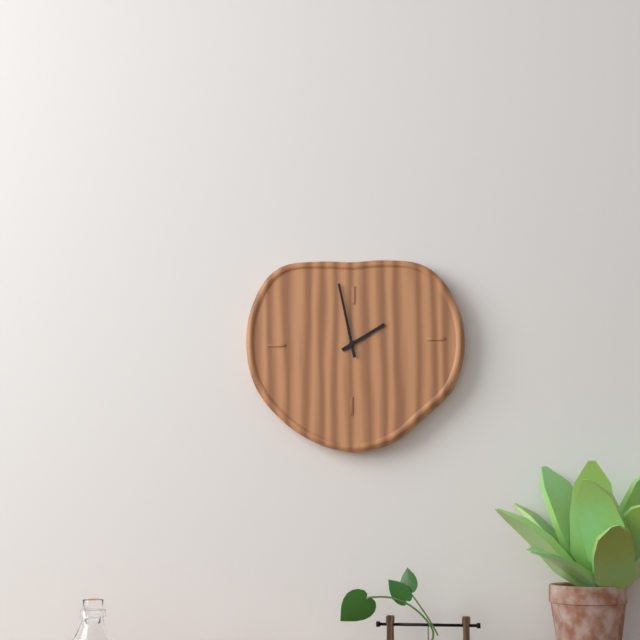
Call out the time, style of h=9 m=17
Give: h=1 m=58
